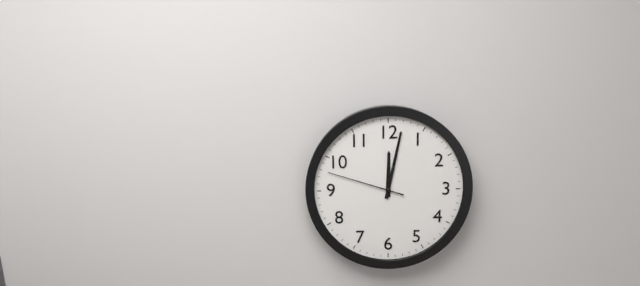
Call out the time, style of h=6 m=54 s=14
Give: h=12 m=2 s=48
